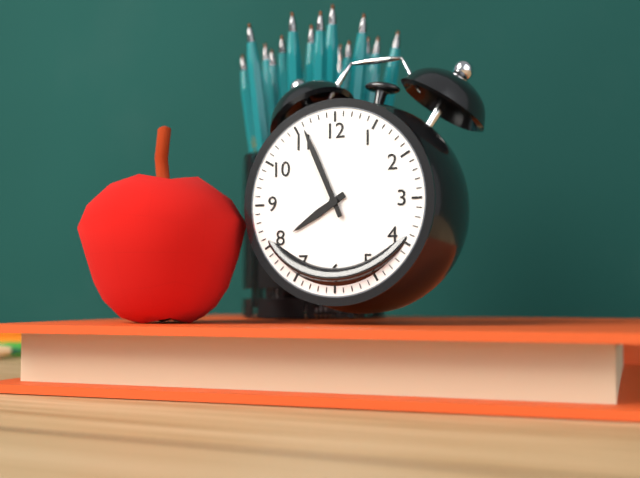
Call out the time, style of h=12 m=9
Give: h=7 m=56
